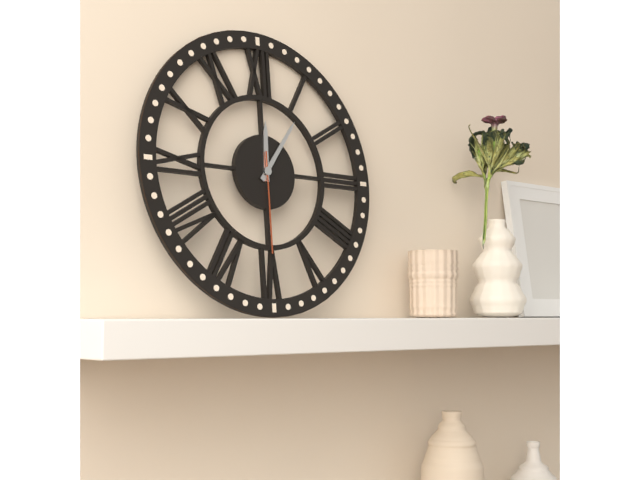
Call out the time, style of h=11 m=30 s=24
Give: h=12 m=6 s=30
